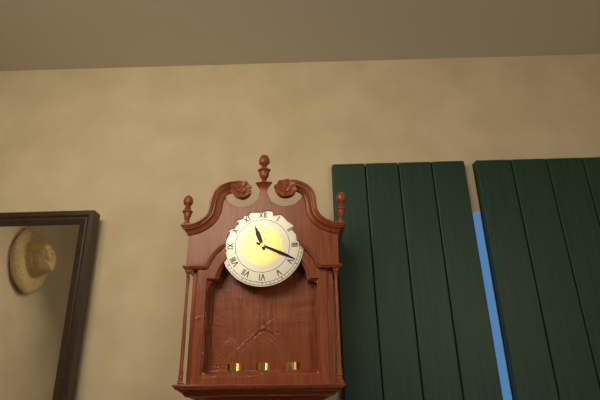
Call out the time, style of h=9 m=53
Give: h=11 m=19
